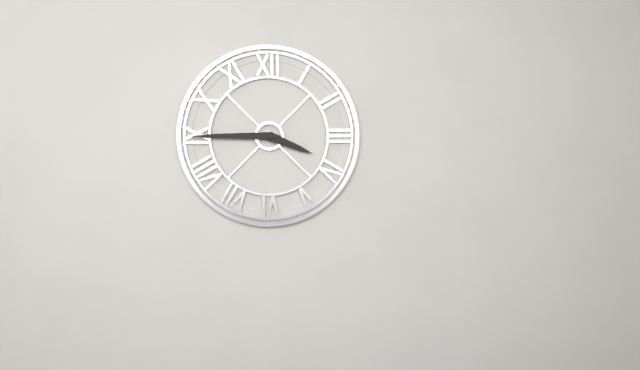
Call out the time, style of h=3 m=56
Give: h=3 m=45
